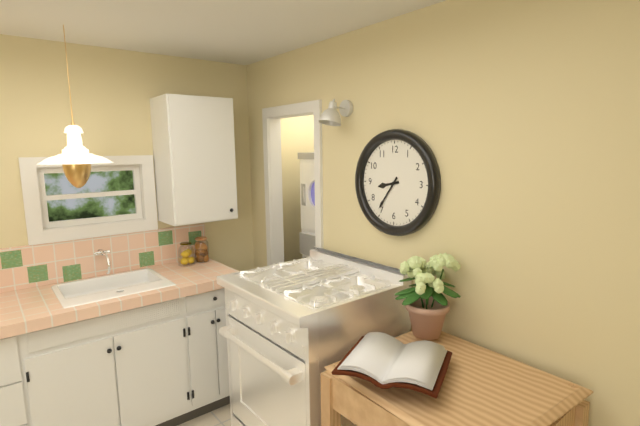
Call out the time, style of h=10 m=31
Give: h=8 m=36
